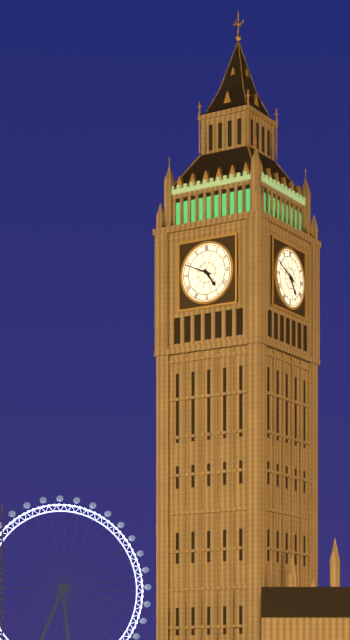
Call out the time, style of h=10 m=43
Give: h=4 m=49
